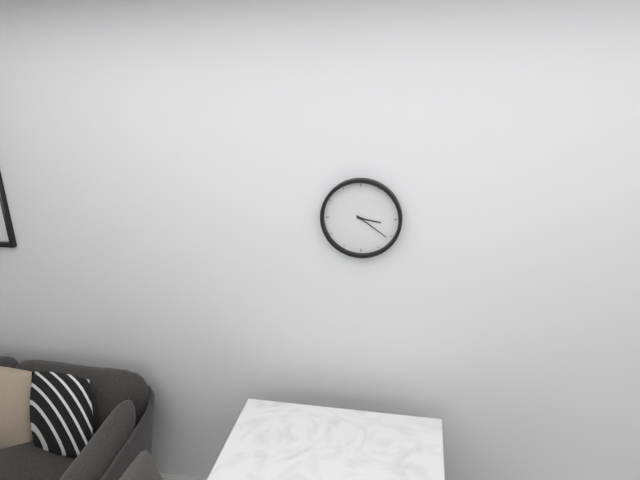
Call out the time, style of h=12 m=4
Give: h=3 m=21
